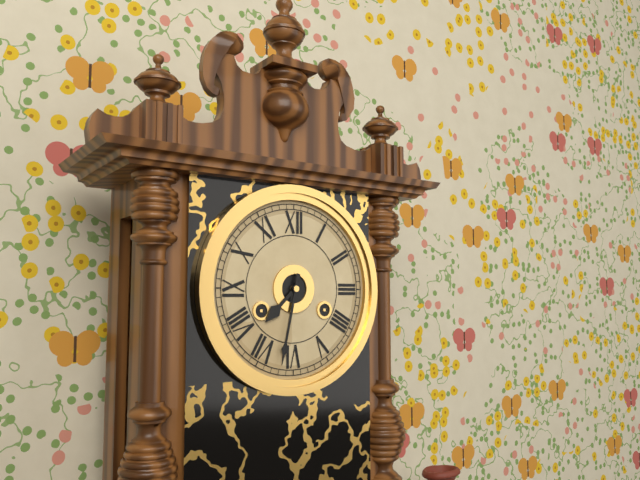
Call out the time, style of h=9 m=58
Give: h=7 m=32
